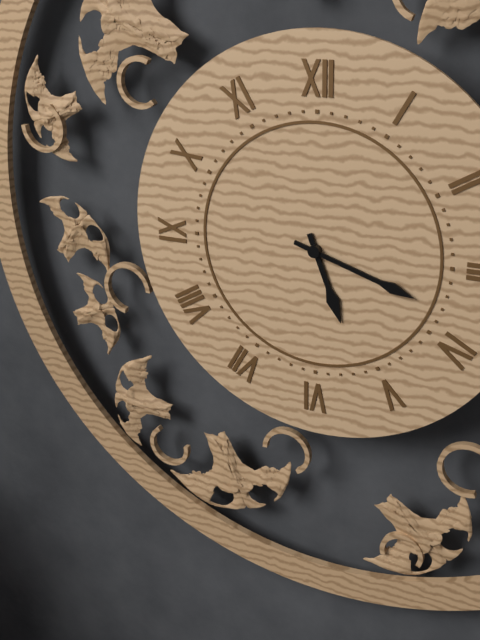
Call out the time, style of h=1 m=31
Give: h=5 m=18
